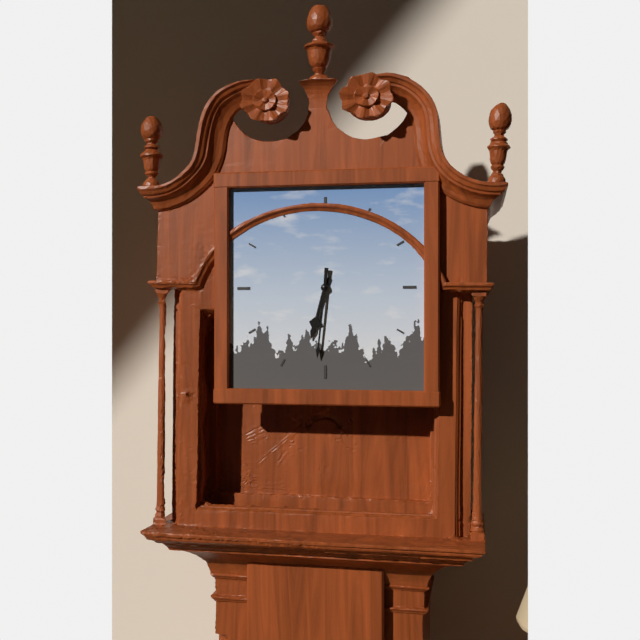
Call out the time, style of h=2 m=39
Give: h=6 m=31
